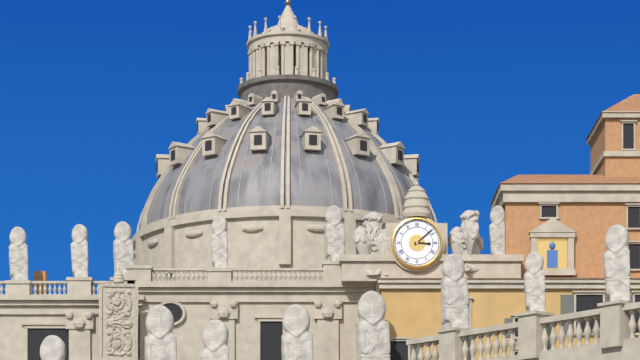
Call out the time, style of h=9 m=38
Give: h=3 m=8
